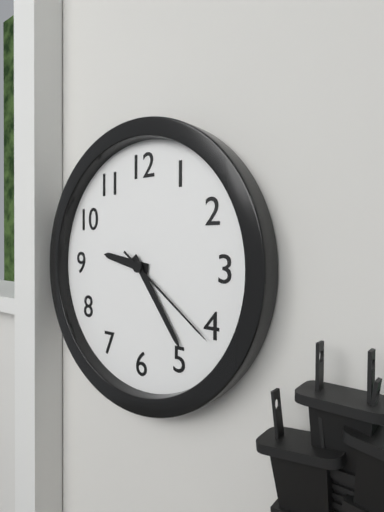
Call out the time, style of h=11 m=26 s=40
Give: h=9 m=24 s=21
